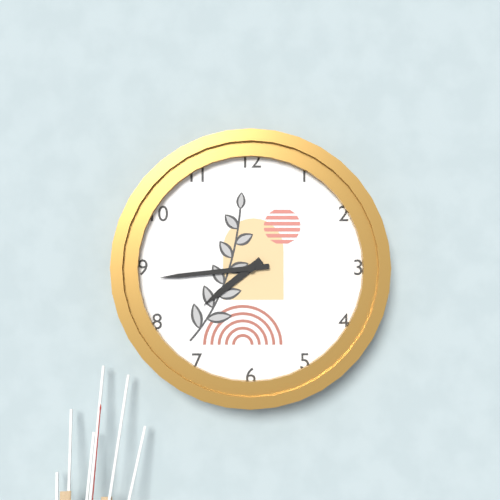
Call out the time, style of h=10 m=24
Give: h=7 m=44
